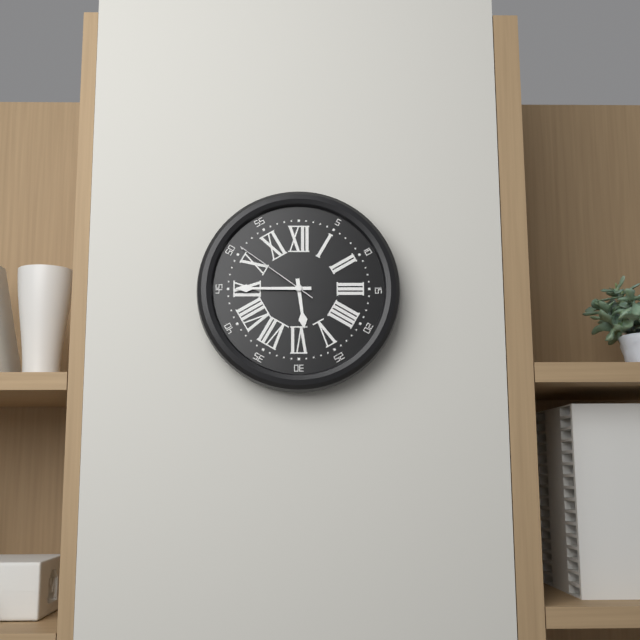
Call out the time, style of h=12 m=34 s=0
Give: h=5 m=45 s=51
